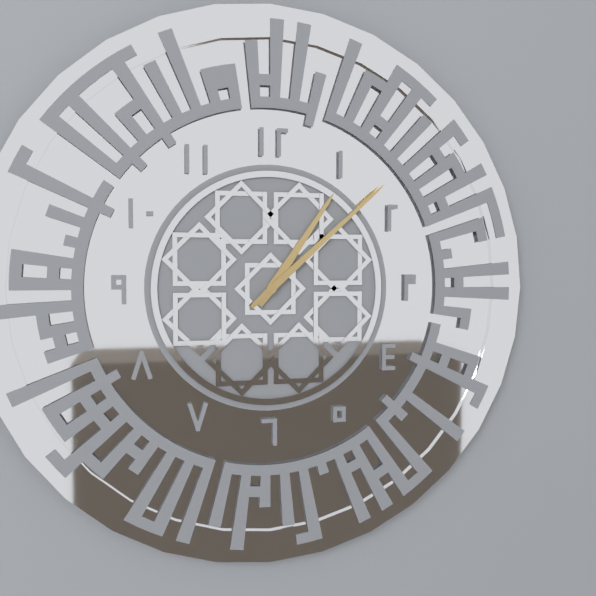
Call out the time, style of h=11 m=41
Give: h=1 m=8
